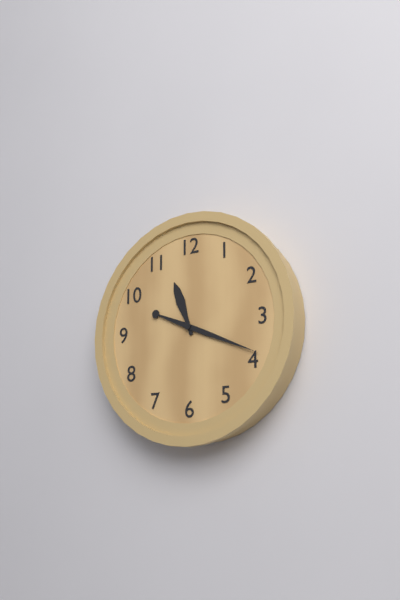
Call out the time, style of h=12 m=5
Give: h=11 m=19
